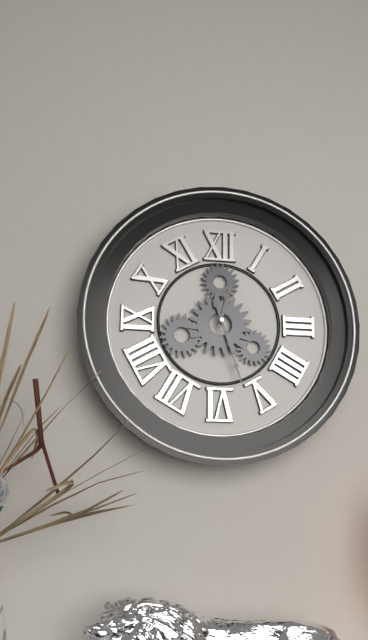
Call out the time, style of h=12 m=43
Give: h=12 m=27
